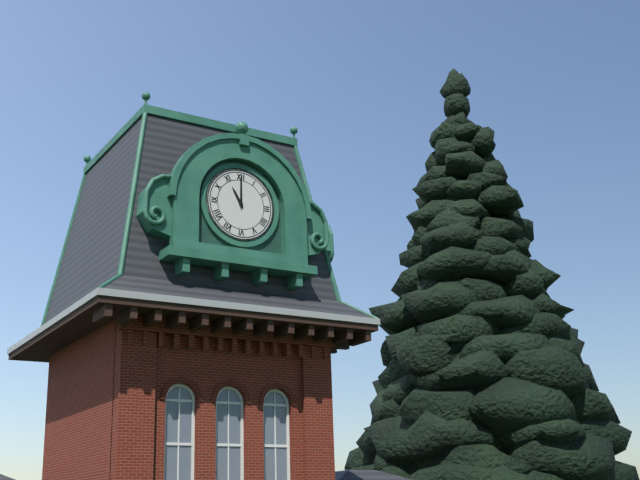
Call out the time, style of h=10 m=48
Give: h=11 m=0
